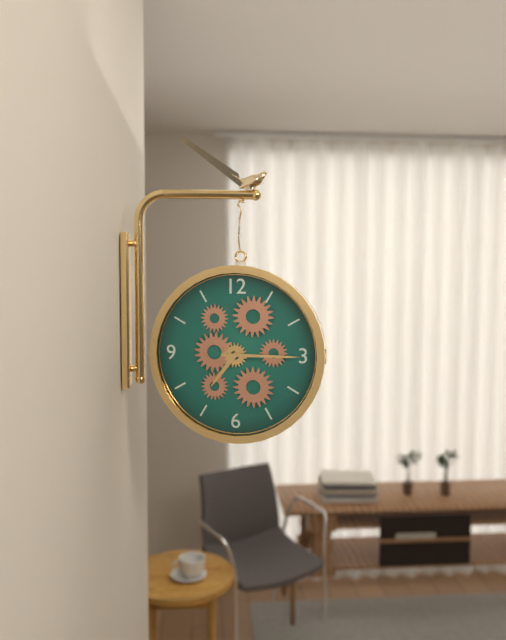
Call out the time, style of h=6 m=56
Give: h=7 m=15
